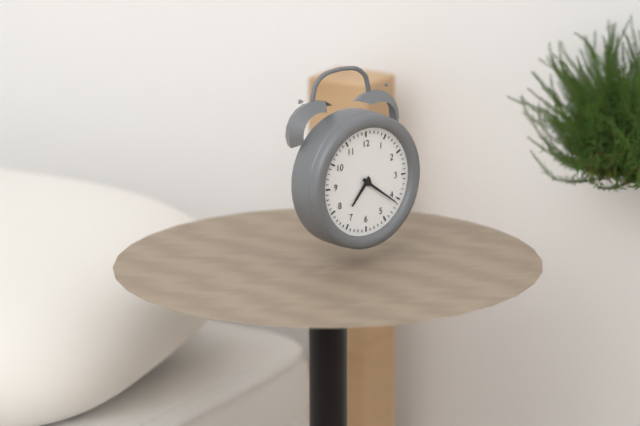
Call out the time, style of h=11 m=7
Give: h=7 m=21
